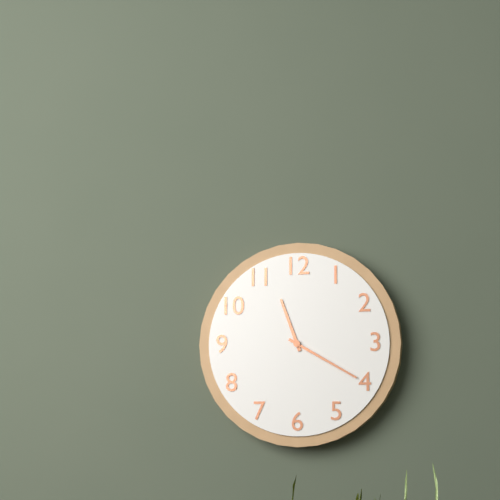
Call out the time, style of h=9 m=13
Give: h=11 m=20
